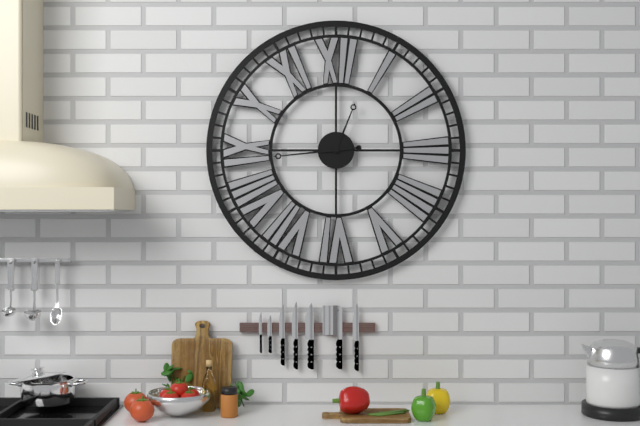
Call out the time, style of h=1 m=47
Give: h=12 m=44
